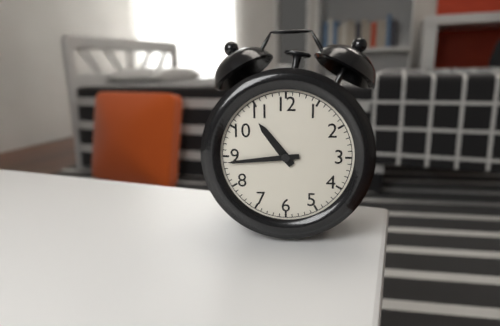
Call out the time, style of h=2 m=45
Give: h=10 m=44
